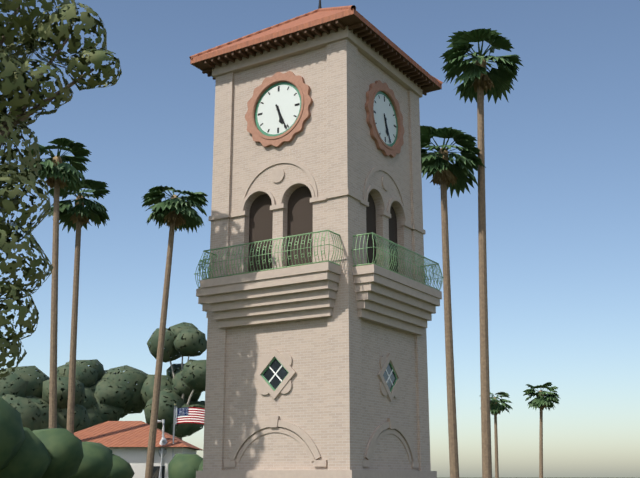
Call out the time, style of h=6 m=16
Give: h=5 m=26
